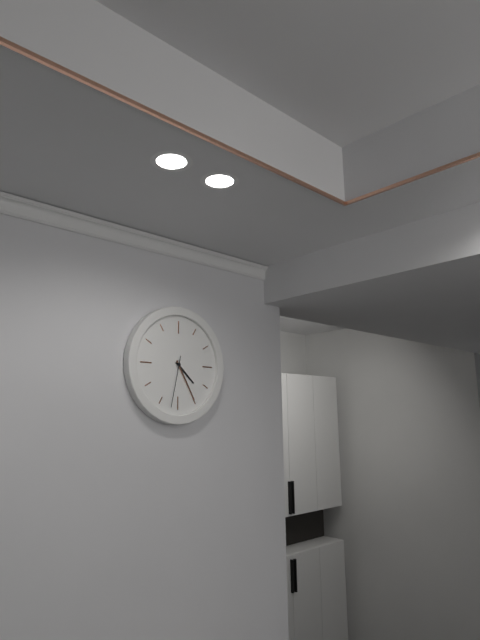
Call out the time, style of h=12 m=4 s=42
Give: h=4 m=25 s=32
